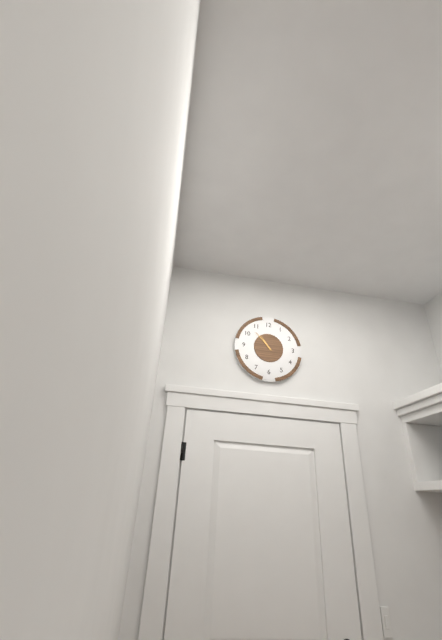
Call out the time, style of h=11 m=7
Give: h=10 m=53
